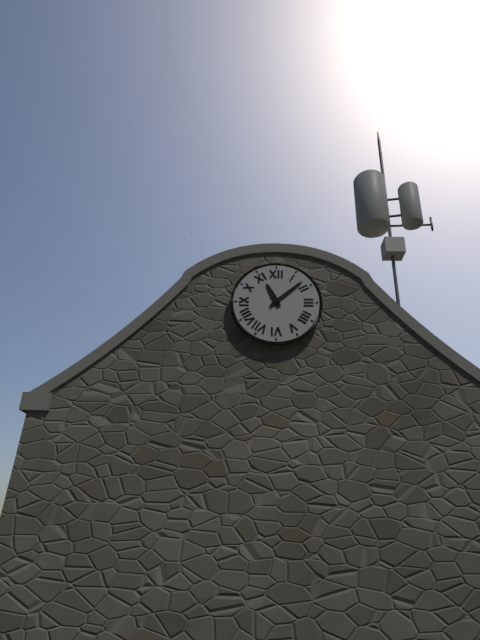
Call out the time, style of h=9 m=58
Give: h=11 m=8
